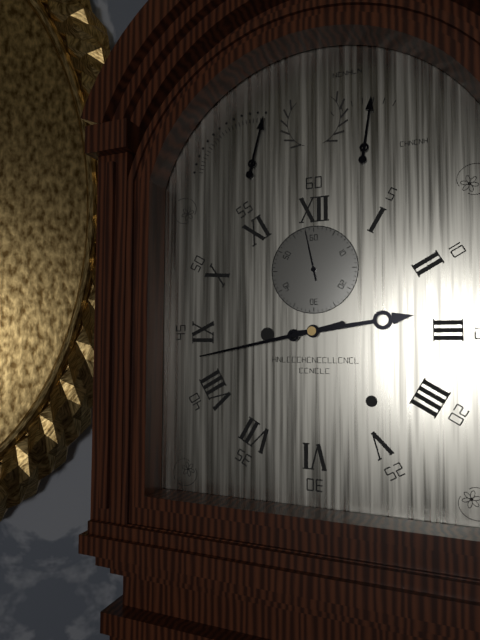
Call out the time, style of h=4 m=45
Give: h=2 m=43
